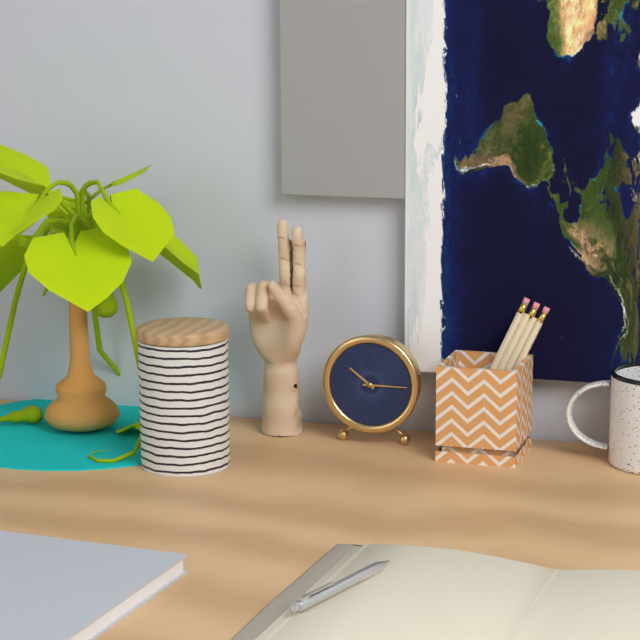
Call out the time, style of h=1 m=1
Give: h=10 m=15
